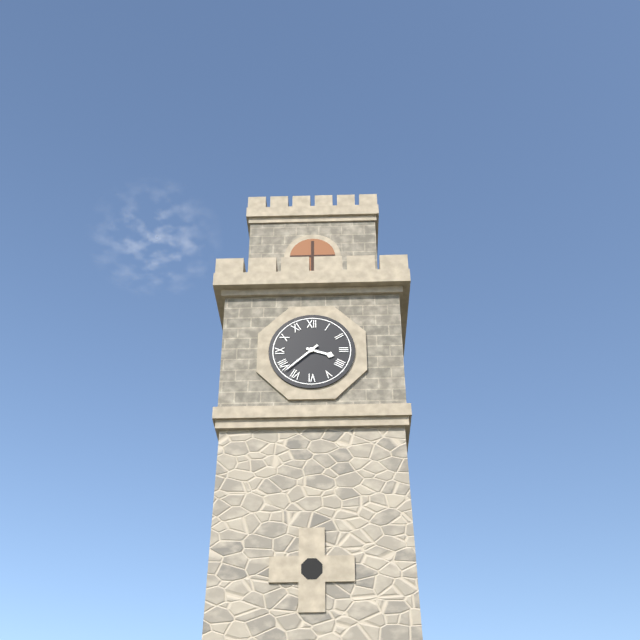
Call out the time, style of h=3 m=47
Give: h=3 m=38
